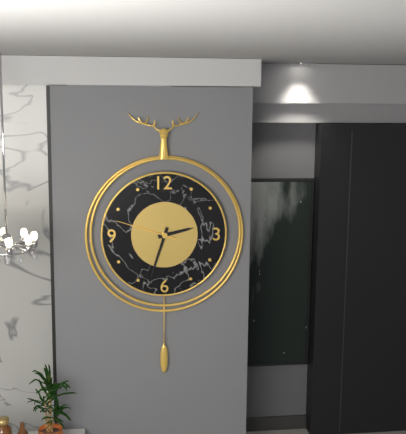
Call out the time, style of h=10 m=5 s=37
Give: h=2 m=33 s=48
